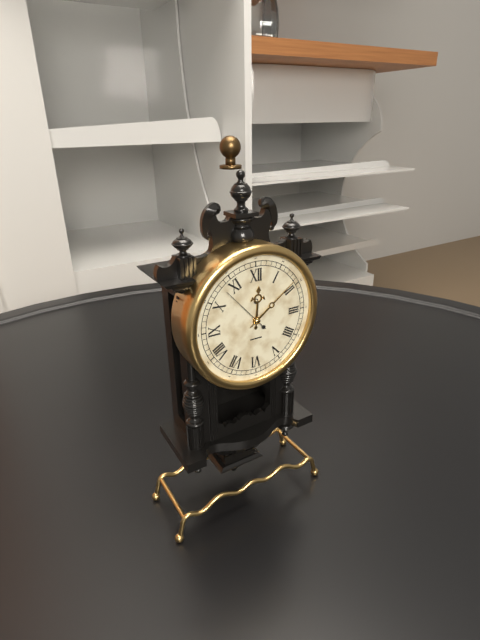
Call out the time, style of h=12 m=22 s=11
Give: h=12 m=9 s=53
